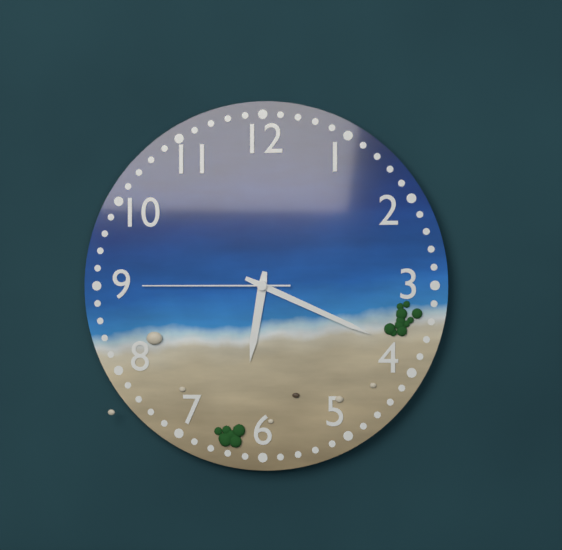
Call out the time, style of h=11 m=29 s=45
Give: h=6 m=19 s=45
